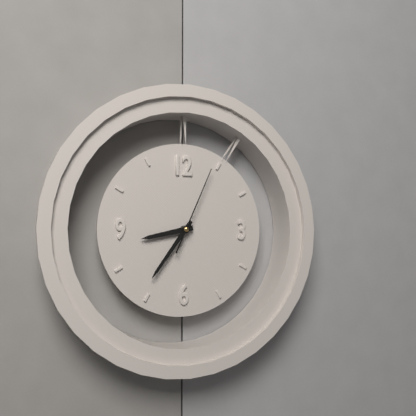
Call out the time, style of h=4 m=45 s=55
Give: h=8 m=36 s=4
